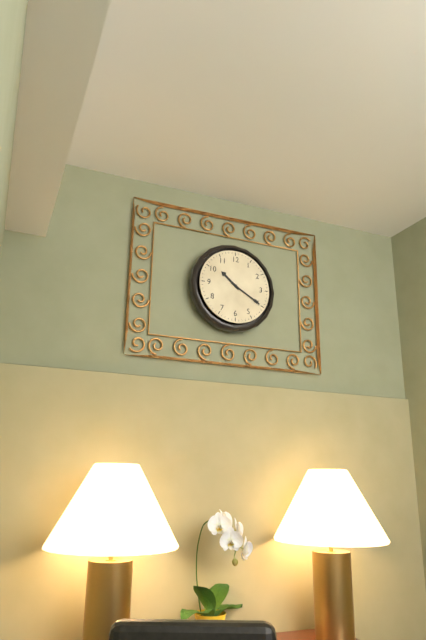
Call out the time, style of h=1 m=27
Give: h=10 m=20
